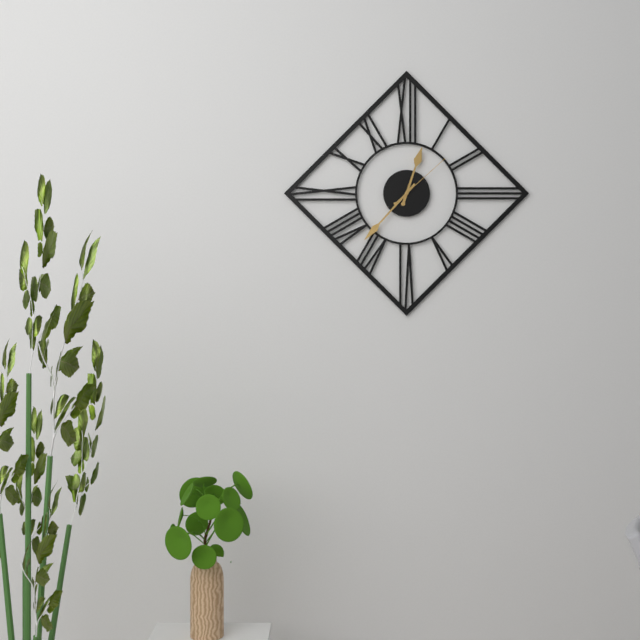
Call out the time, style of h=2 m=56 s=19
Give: h=12 m=37 s=8
